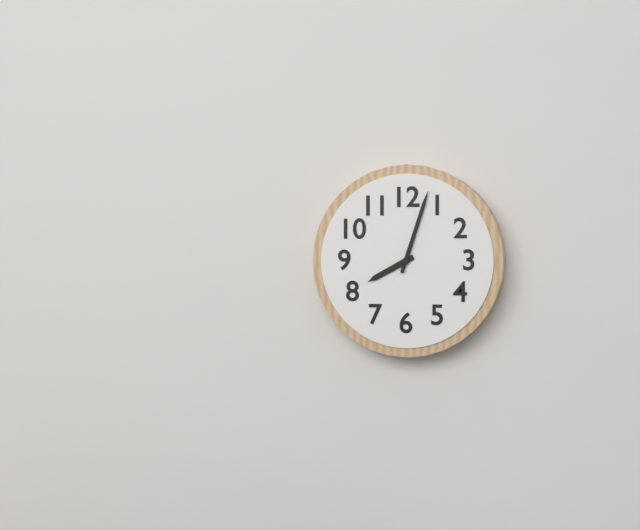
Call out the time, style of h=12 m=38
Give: h=8 m=3
